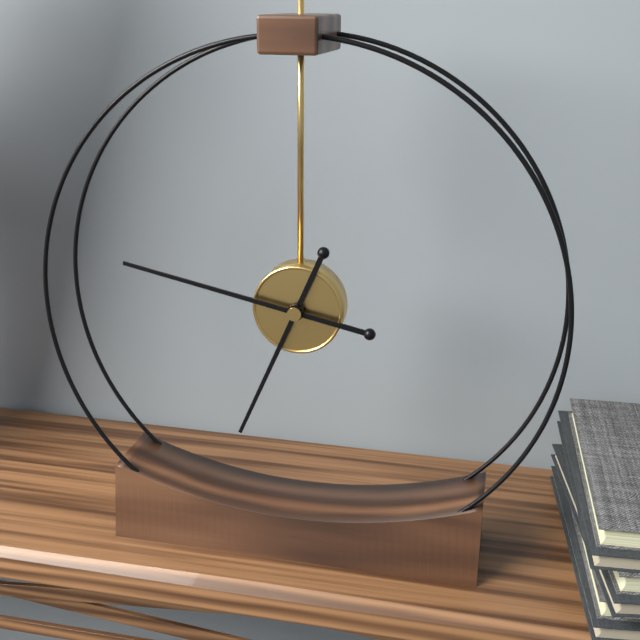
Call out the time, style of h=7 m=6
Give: h=6 m=47
